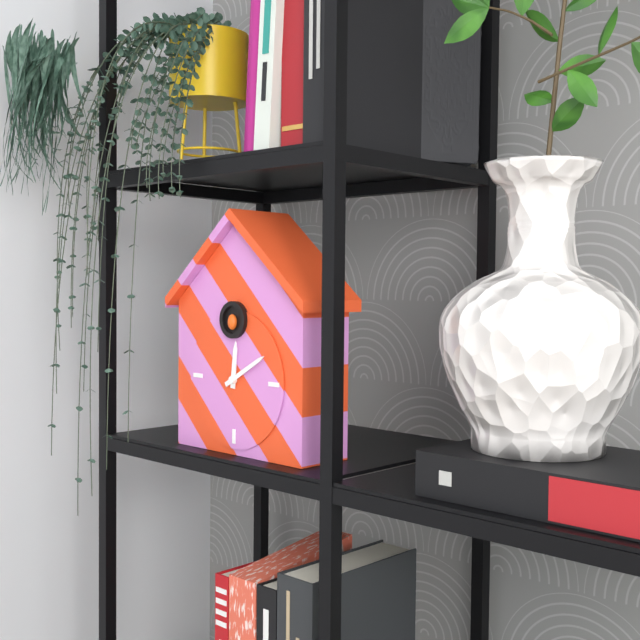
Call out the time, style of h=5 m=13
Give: h=12 m=10
